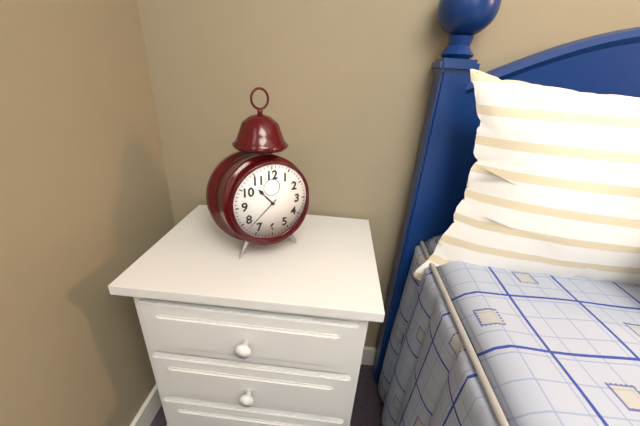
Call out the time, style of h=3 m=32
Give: h=10 m=38
